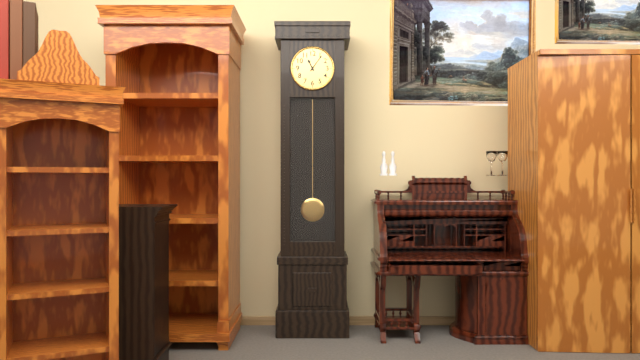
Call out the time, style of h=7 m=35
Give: h=11 m=6
